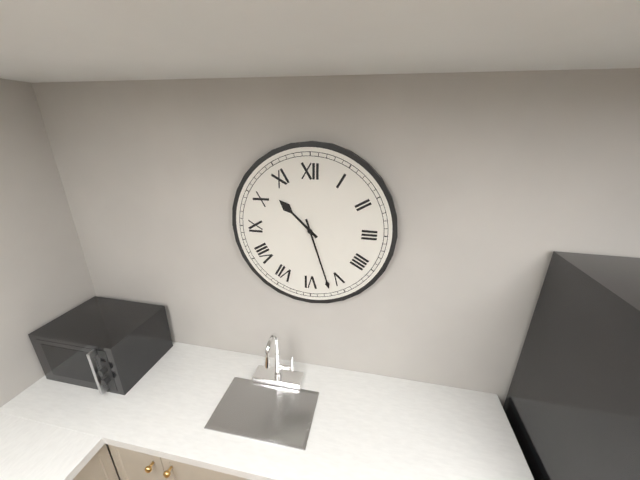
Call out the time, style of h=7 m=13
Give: h=10 m=27
